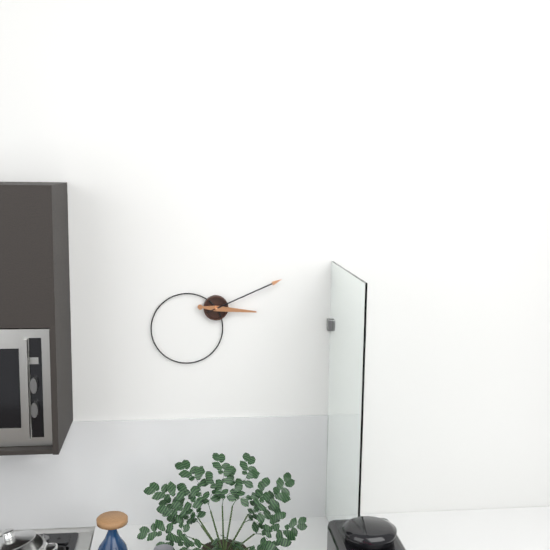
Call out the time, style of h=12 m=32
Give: h=3 m=11
